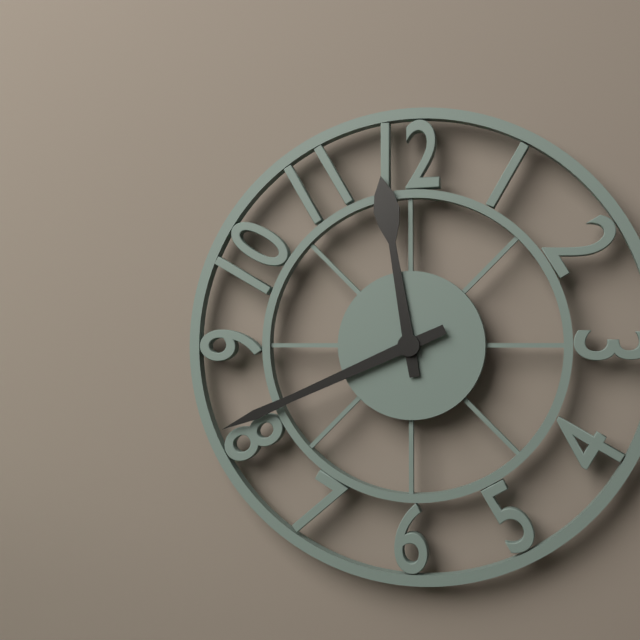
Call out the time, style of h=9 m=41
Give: h=11 m=41
